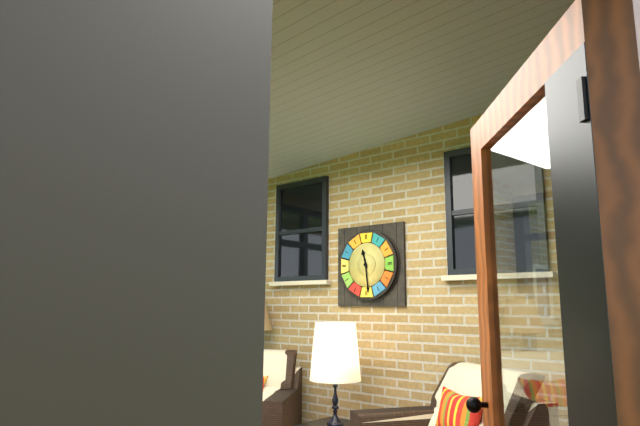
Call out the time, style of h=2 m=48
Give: h=11 m=29
